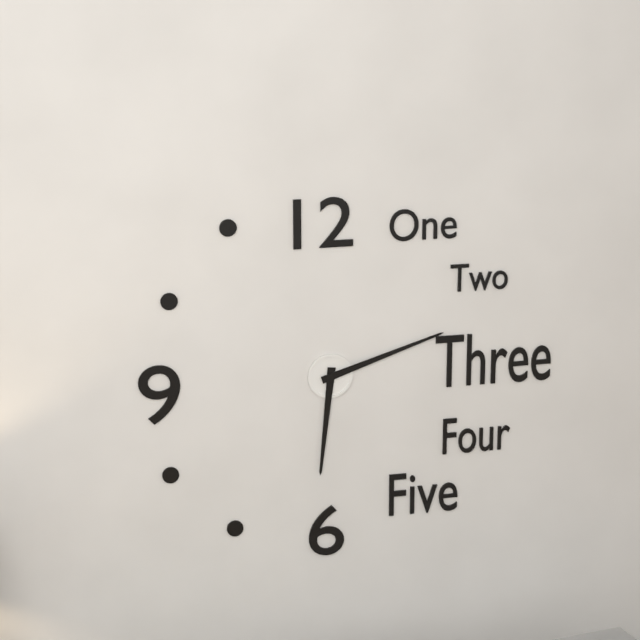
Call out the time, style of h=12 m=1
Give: h=6 m=12
